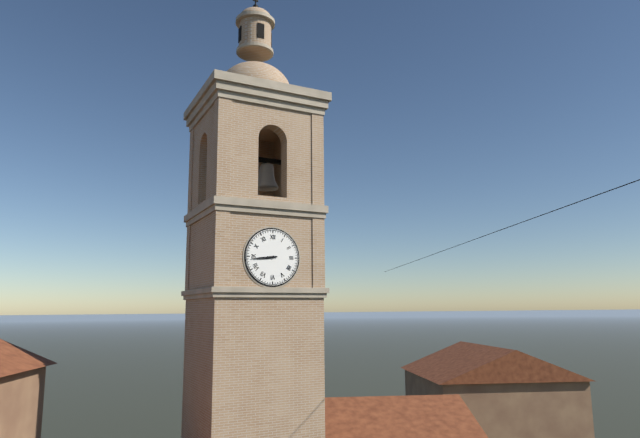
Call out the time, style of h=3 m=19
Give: h=8 m=44
